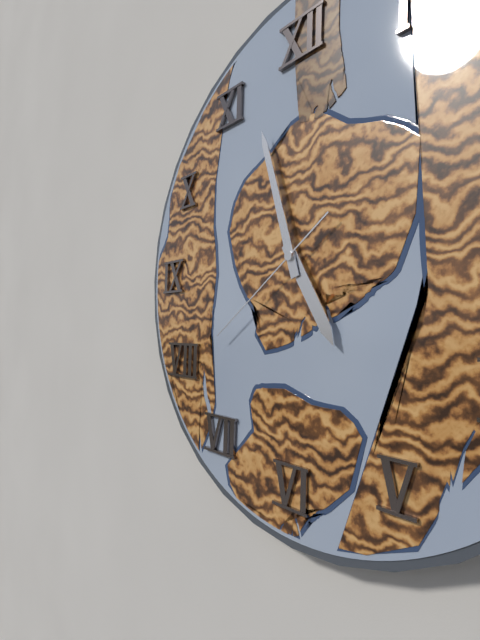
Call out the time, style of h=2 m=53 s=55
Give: h=4 m=57 s=39
